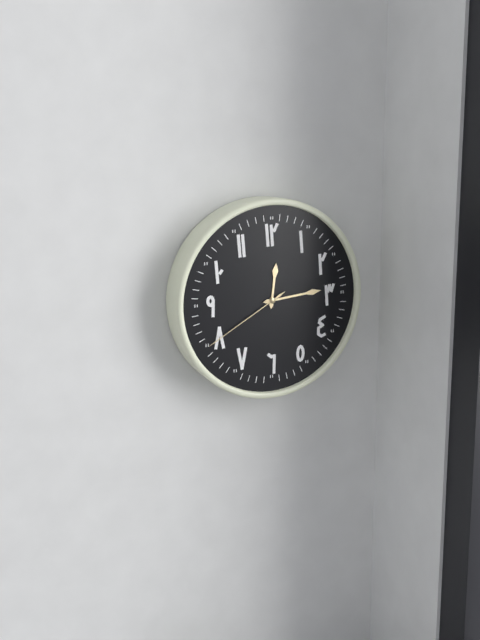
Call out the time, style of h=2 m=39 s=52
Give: h=12 m=14 s=40
